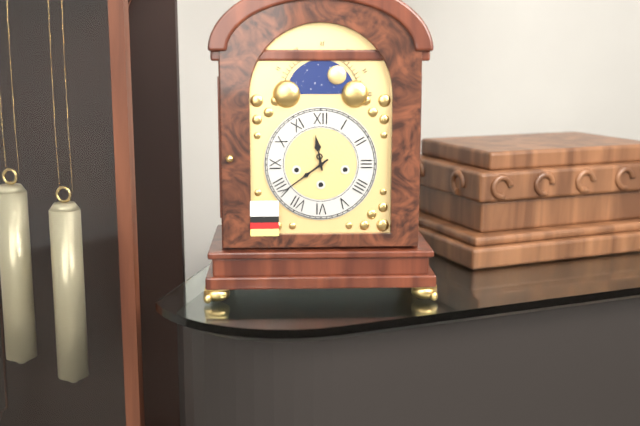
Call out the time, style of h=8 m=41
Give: h=11 m=39
